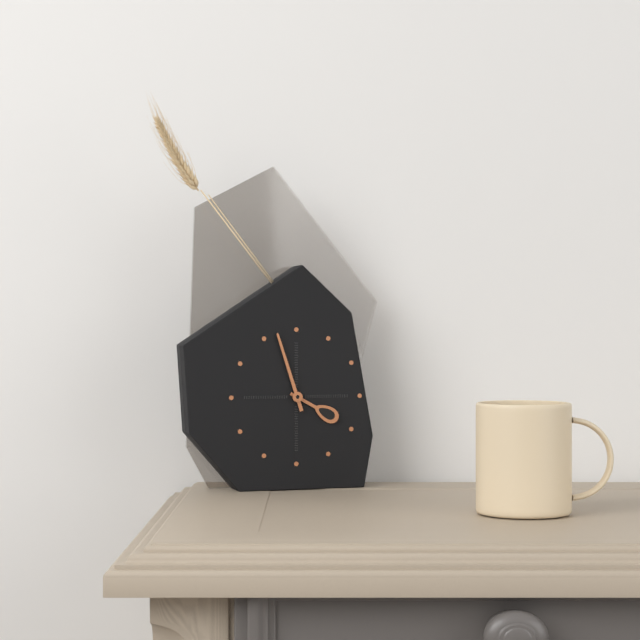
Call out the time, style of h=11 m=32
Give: h=3 m=57
